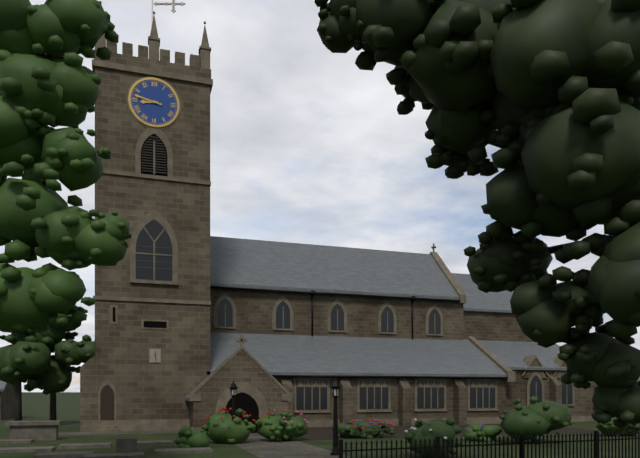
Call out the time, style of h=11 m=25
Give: h=8 m=47
